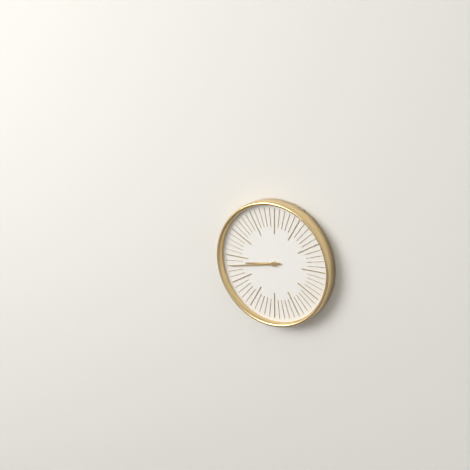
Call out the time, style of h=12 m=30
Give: h=8 m=43
